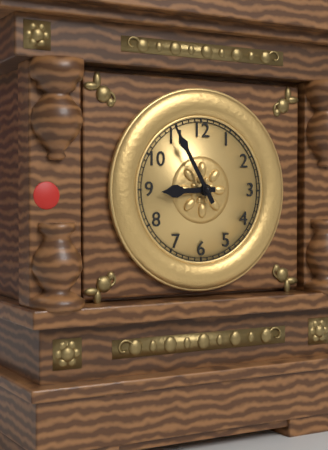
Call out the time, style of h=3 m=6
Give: h=8 m=55
